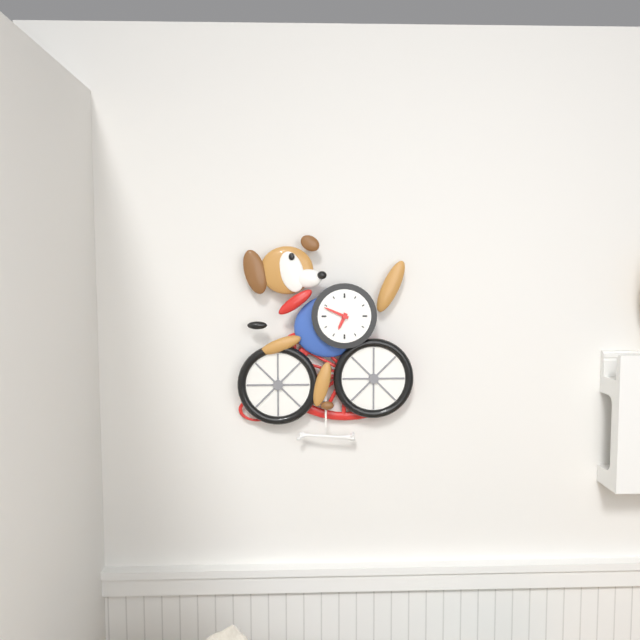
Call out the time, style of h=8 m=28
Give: h=6 m=49
